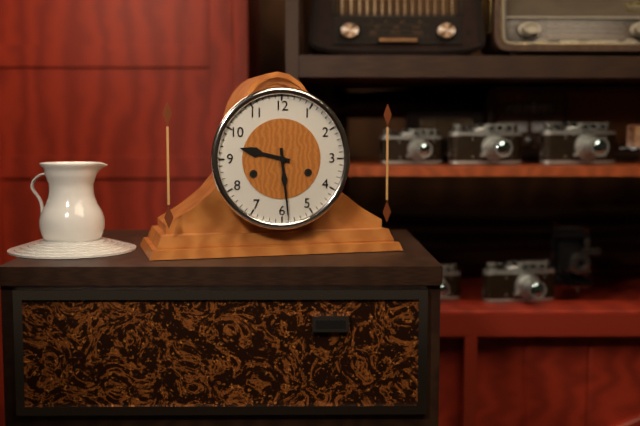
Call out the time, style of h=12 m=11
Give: h=9 m=29
